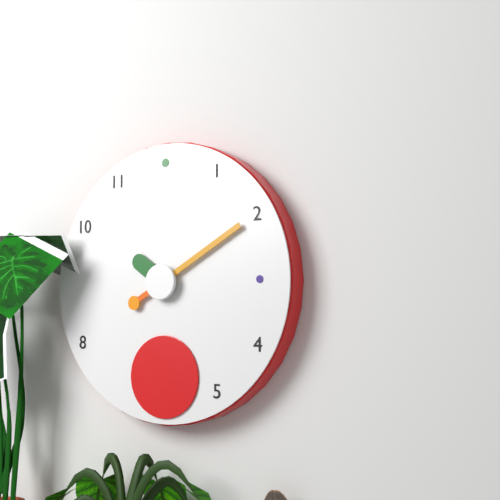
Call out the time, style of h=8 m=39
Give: h=10 m=10
